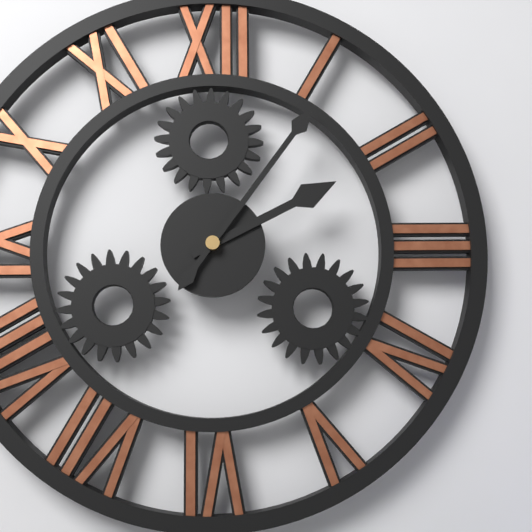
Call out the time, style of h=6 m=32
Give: h=2 m=6
